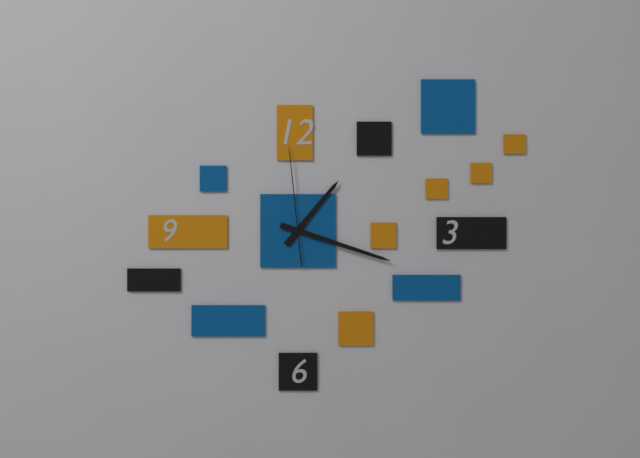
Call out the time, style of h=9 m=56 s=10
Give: h=1 m=18 s=59
